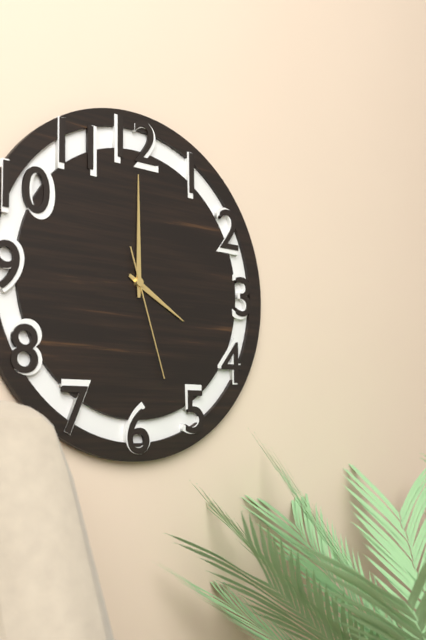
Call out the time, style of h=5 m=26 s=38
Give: h=4 m=0 s=27
